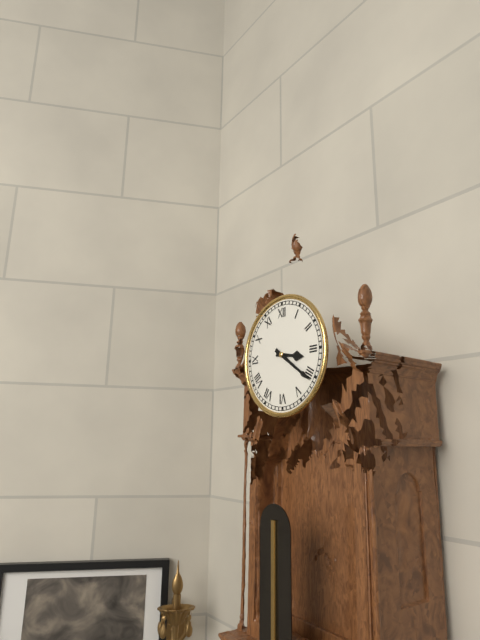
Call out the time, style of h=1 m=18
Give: h=3 m=21
